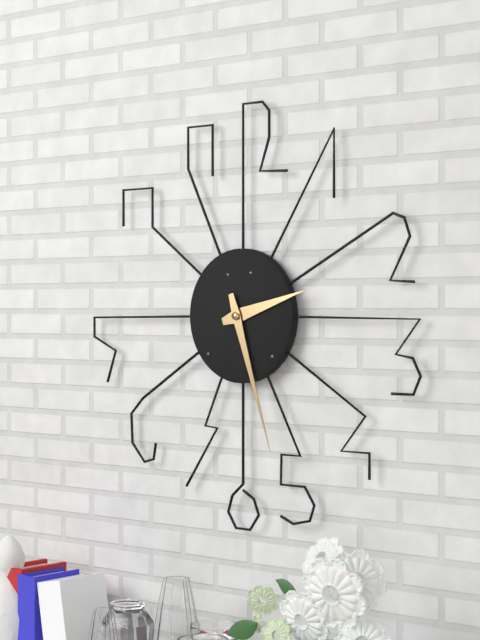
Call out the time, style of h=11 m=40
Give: h=2 m=27
